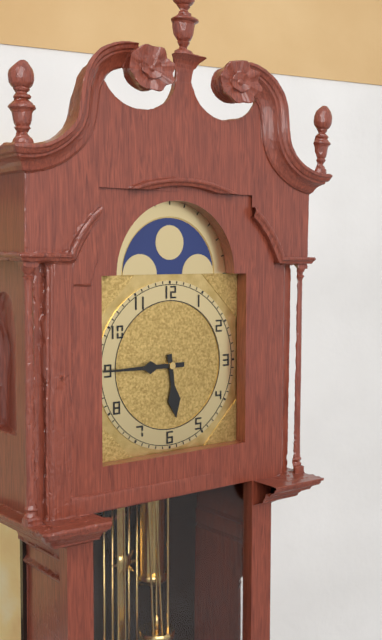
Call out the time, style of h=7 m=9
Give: h=5 m=45
